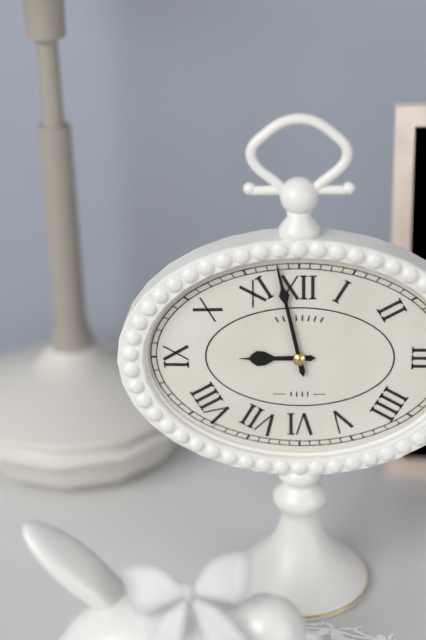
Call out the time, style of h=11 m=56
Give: h=8 m=58
